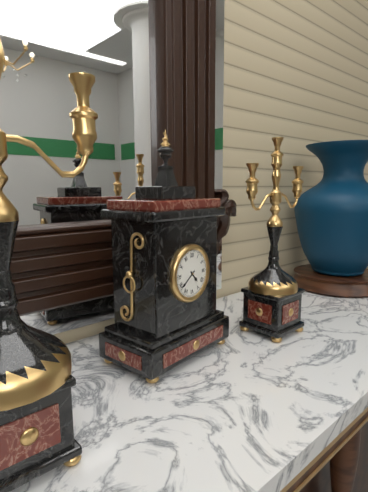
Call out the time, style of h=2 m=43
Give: h=4 m=39
